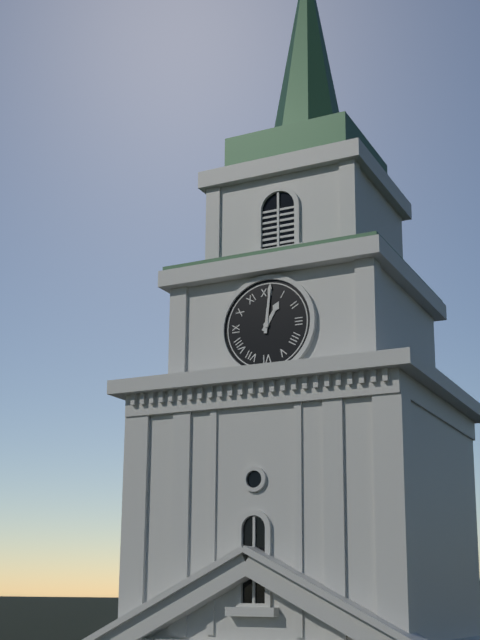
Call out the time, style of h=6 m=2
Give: h=1 m=1
